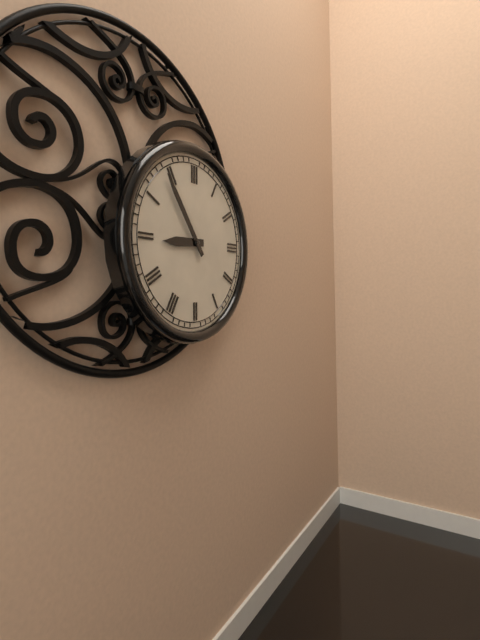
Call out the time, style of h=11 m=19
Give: h=8 m=54
